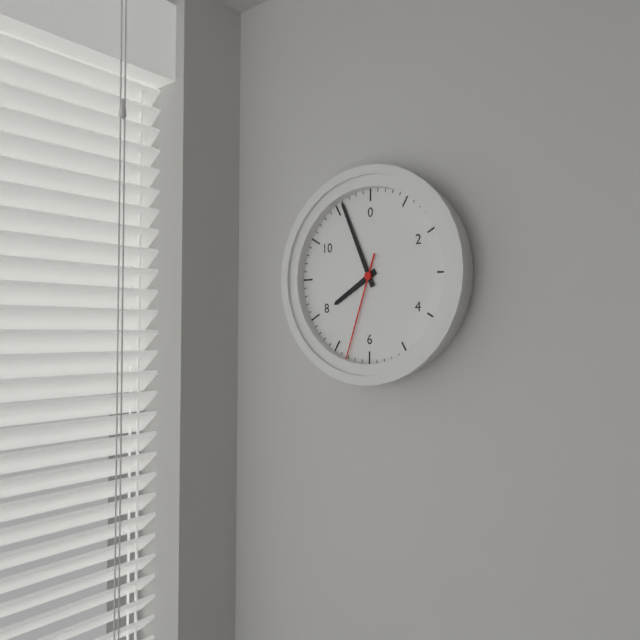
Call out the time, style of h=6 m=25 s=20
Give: h=7 m=56 s=33
